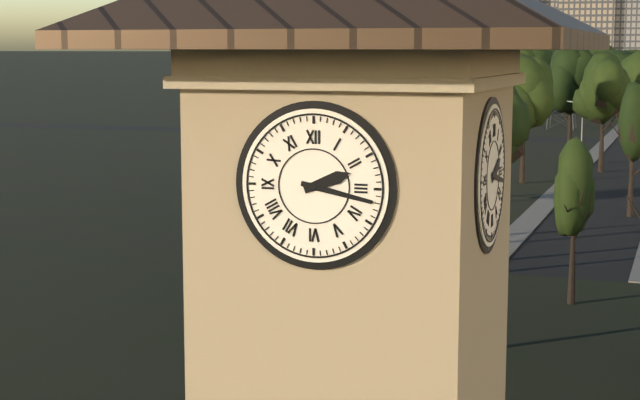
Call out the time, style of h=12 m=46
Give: h=2 m=17
